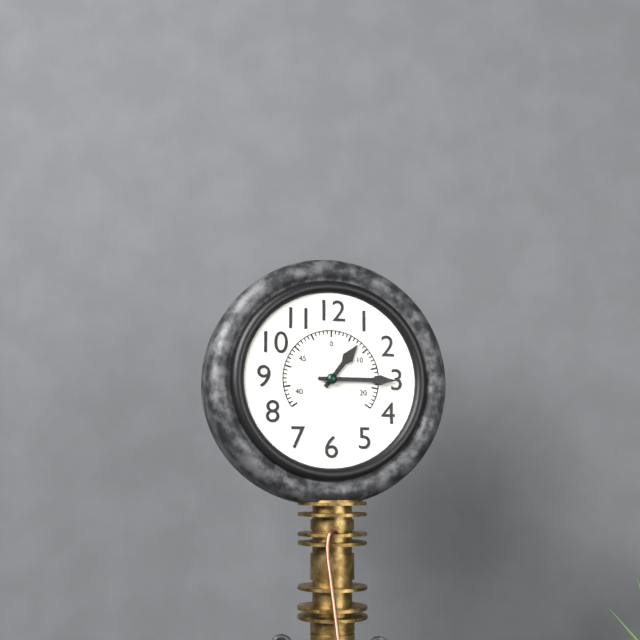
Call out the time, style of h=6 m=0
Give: h=1 m=15
